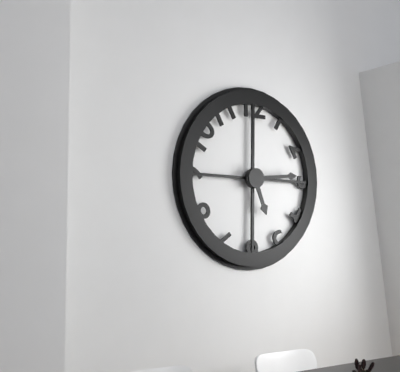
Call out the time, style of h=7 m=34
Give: h=5 m=14
